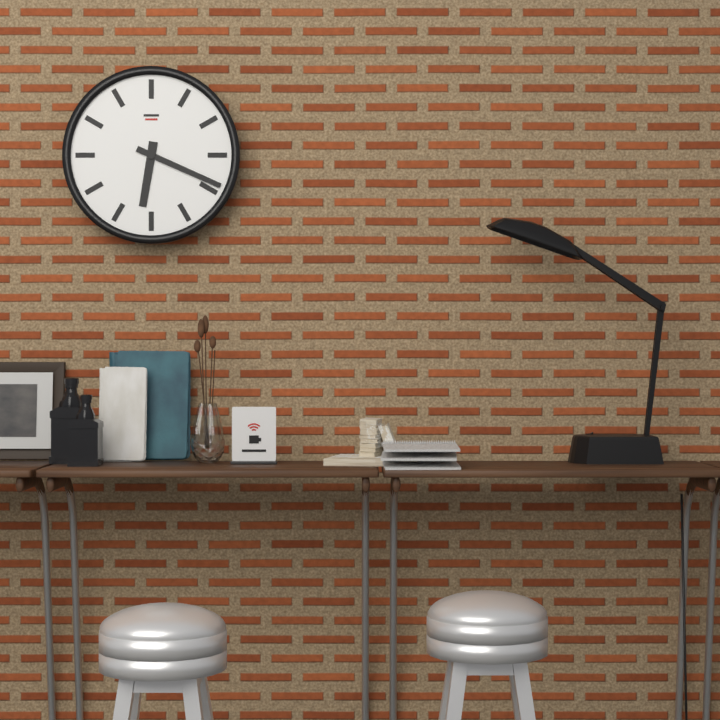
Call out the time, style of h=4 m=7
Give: h=6 m=19
